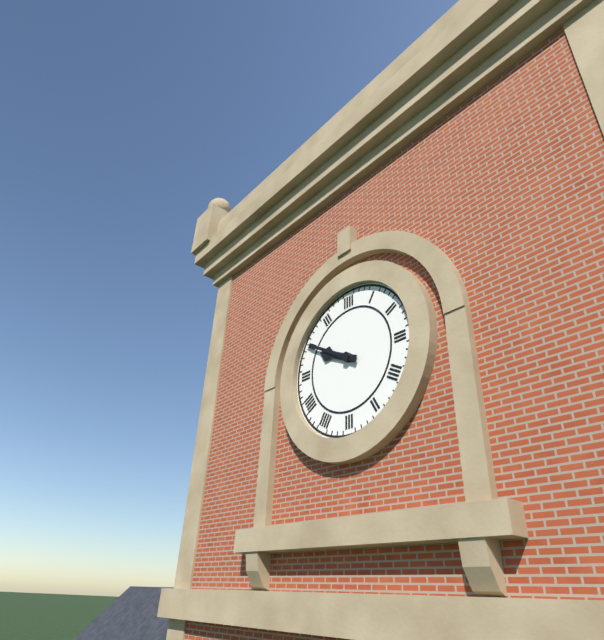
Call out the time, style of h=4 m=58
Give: h=9 m=50
